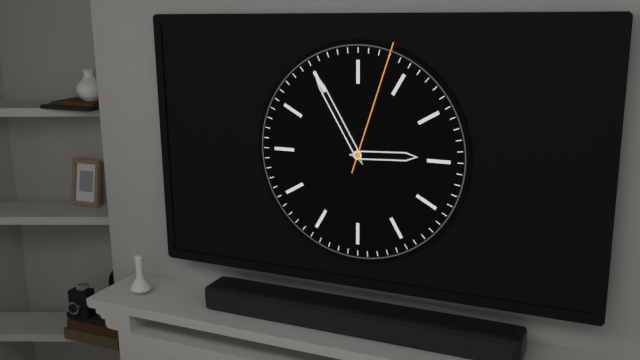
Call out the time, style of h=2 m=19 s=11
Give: h=2 m=55 s=3
